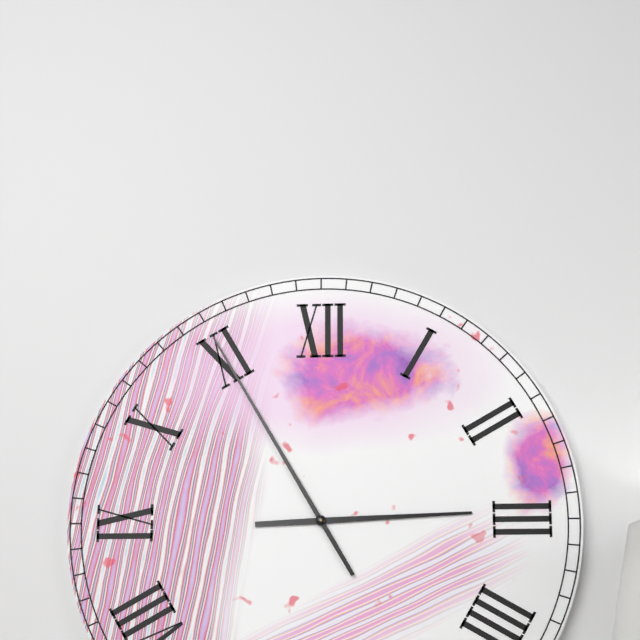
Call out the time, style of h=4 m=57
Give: h=2 m=55
